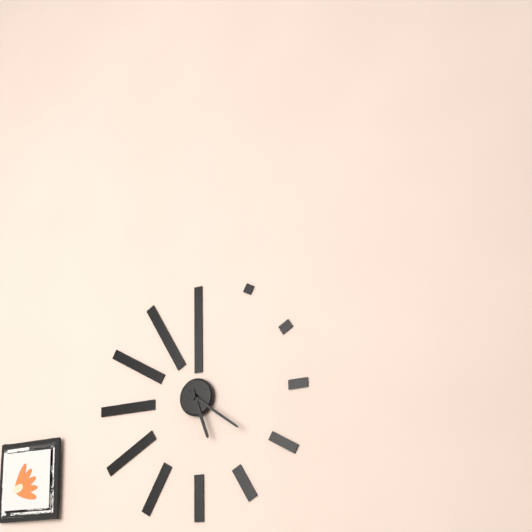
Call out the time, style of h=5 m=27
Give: h=5 m=21
